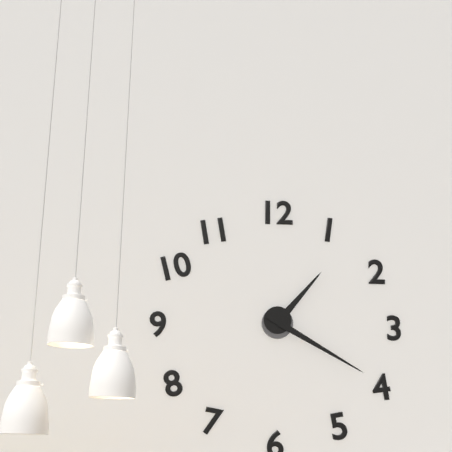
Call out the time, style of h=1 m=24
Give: h=1 m=20
